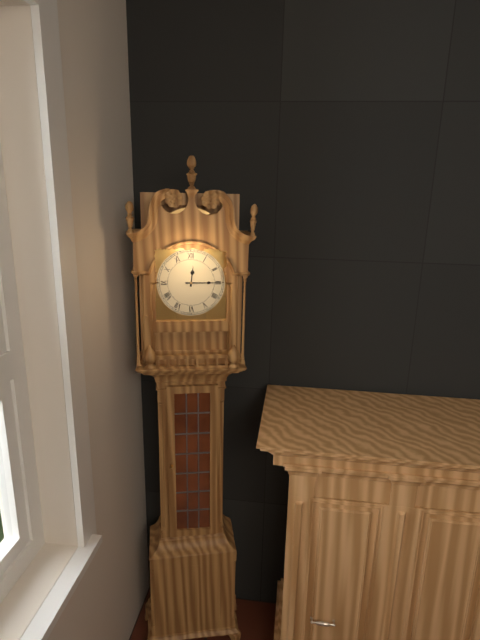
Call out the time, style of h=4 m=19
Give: h=12 m=15
